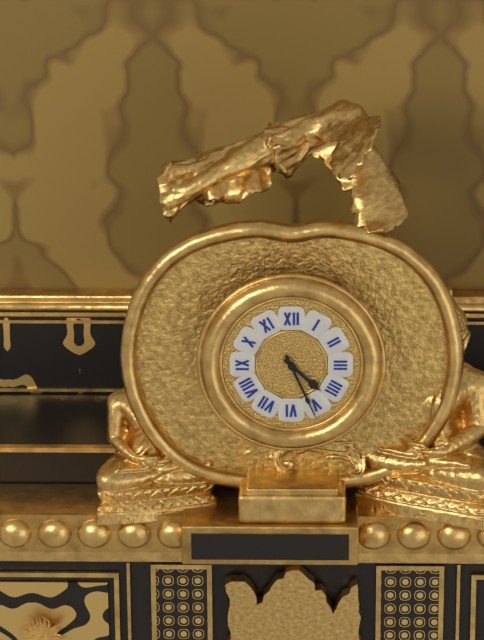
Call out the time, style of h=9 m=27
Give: h=4 m=26
